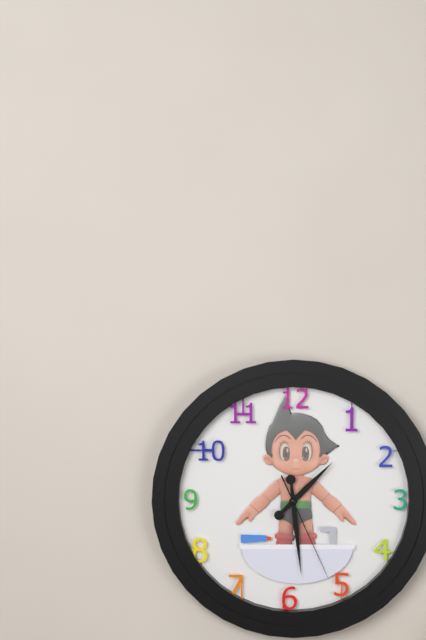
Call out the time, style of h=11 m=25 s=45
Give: h=1 m=29 s=26
